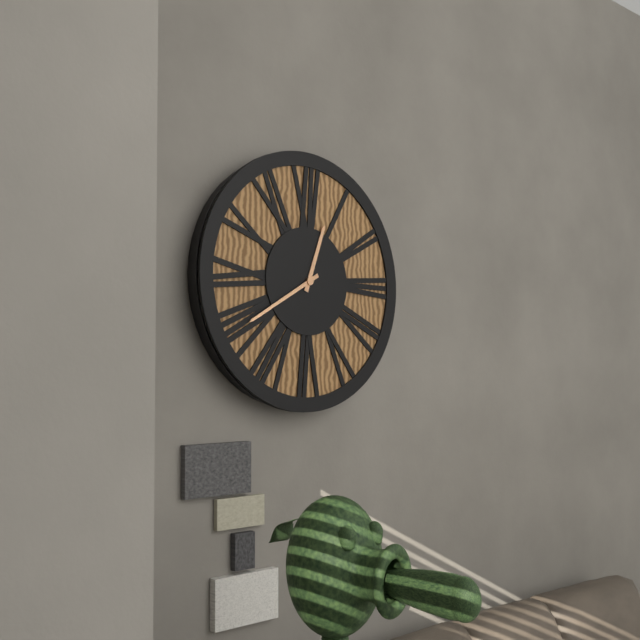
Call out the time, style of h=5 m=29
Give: h=12 m=40
